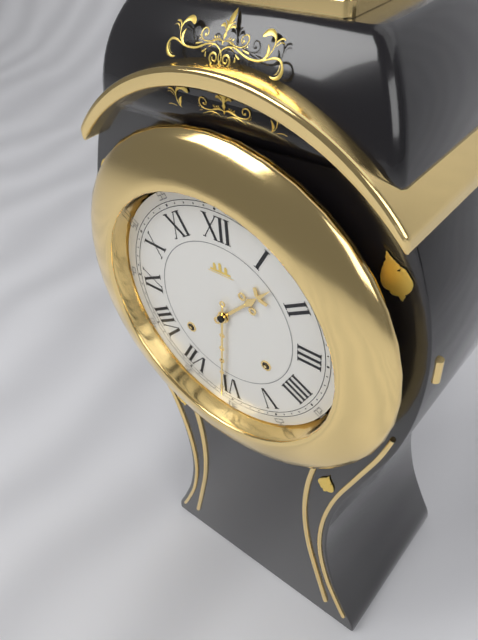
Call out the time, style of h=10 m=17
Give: h=1 m=31
